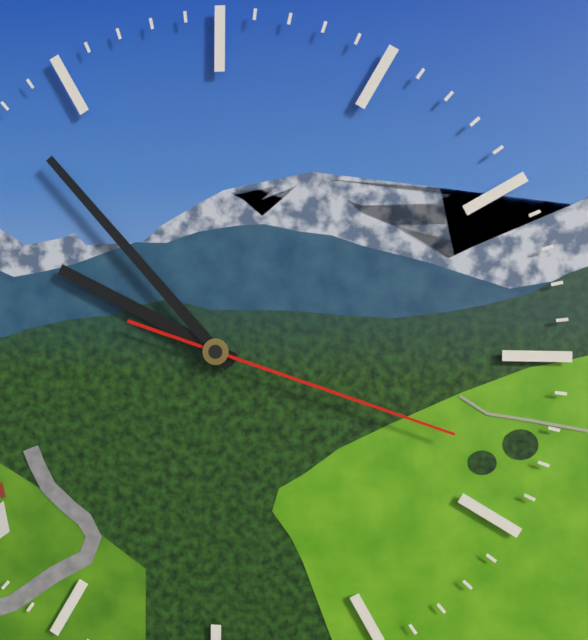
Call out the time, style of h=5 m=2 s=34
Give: h=9 m=53 s=18
